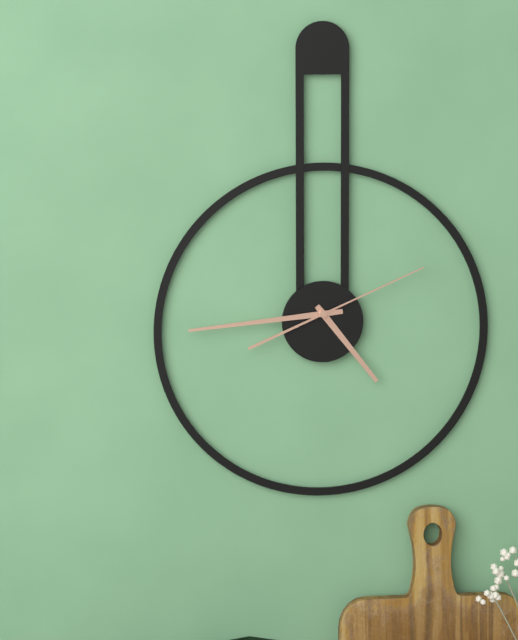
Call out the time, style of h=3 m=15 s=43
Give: h=4 m=44 s=11
